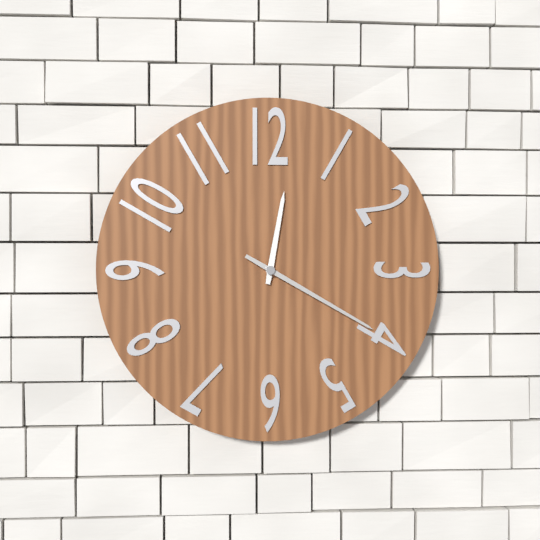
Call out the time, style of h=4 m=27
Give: h=12 m=20
